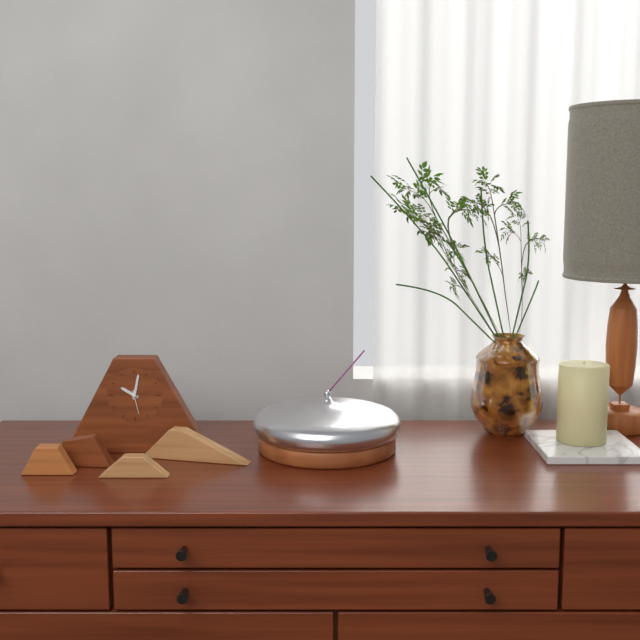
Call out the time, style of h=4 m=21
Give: h=10 m=2
